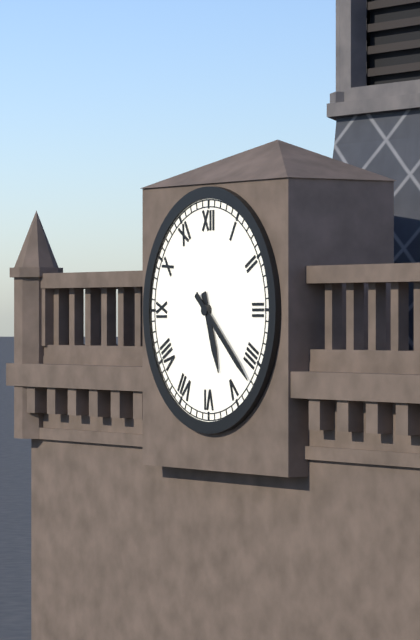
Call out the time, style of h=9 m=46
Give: h=5 m=22
